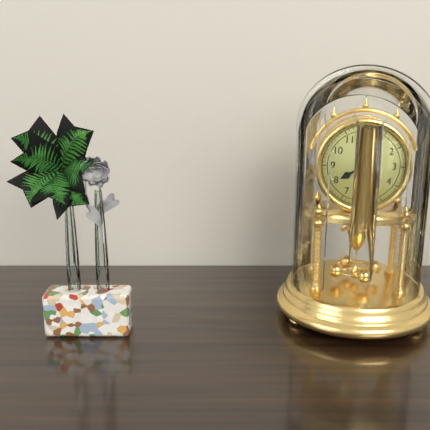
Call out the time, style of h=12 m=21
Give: h=7 m=58
